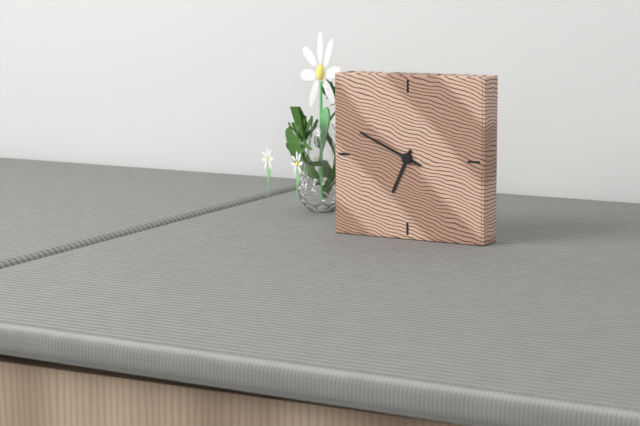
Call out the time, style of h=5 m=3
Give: h=6 m=49
